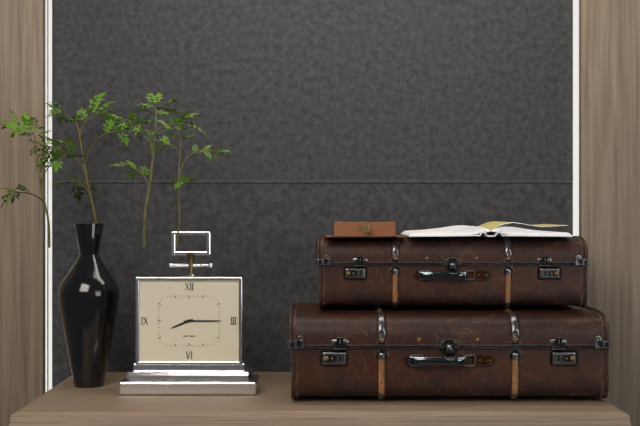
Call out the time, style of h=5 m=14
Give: h=8 m=15
